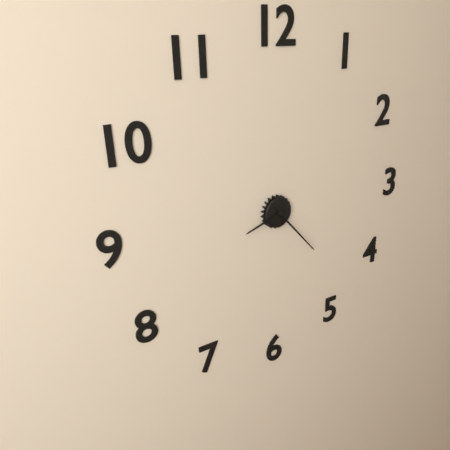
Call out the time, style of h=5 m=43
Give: h=8 m=23
